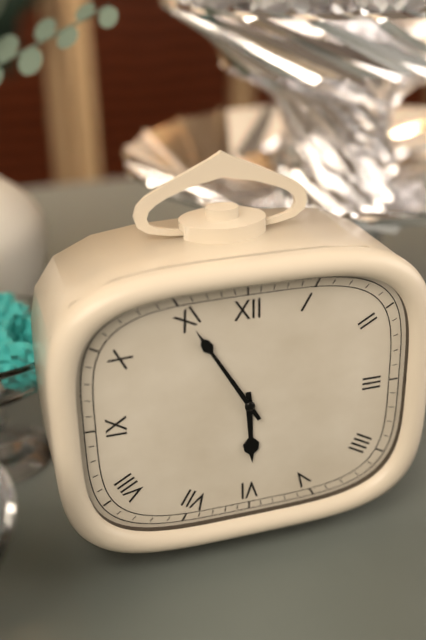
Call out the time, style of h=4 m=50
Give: h=5 m=55
